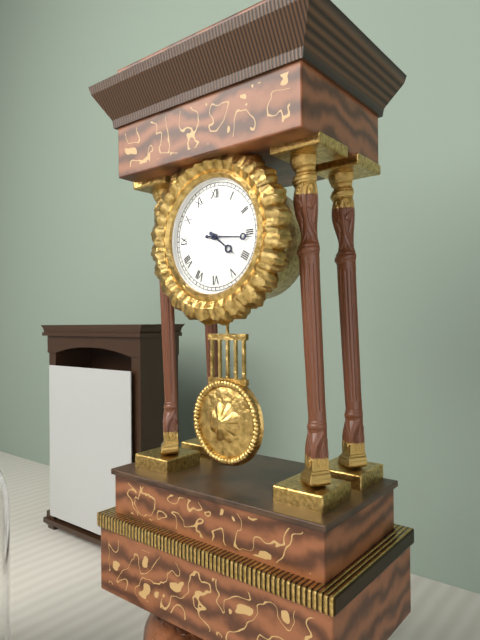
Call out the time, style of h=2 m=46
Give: h=4 m=16
